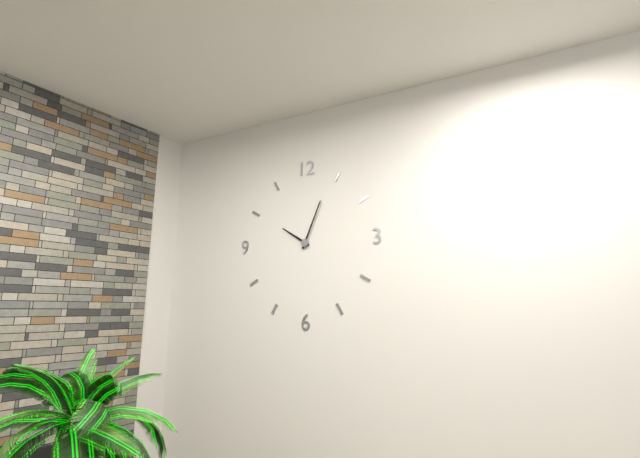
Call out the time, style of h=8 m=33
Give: h=10 m=4
